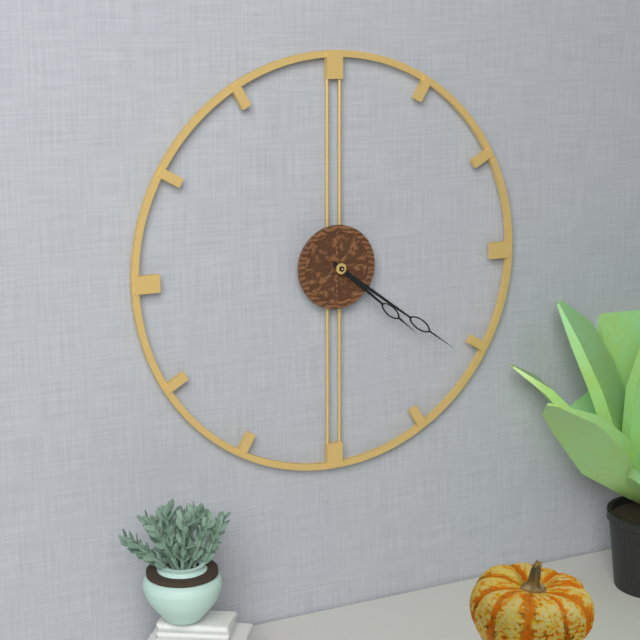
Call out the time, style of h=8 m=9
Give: h=4 m=21
